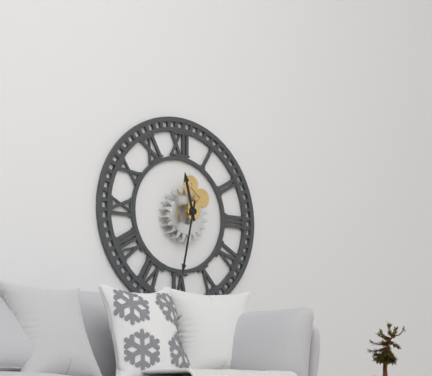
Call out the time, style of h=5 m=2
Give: h=11 m=32
